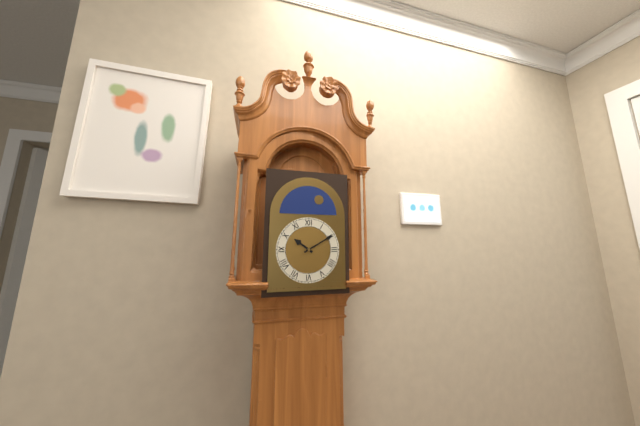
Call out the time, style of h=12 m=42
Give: h=10 m=10
